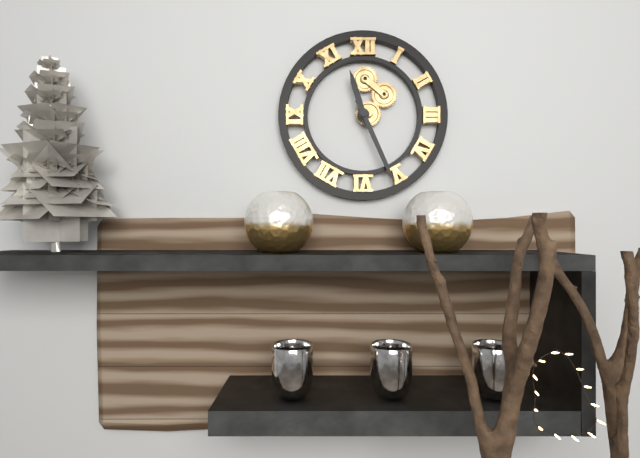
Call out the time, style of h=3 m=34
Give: h=11 m=26
